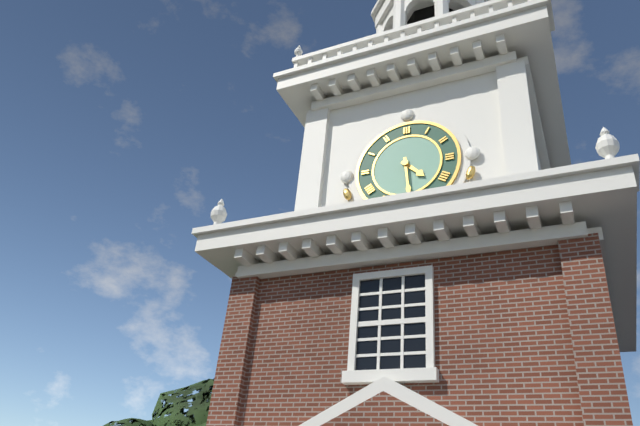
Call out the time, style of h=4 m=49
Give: h=4 m=29
